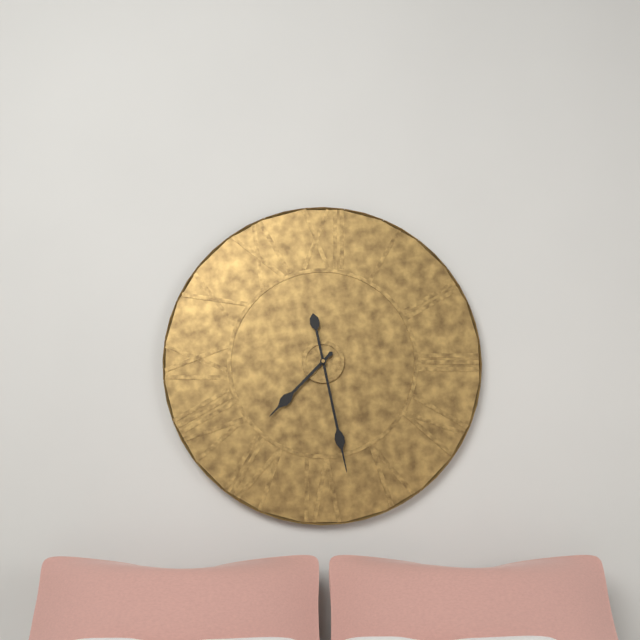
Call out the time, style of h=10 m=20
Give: h=7 m=28
